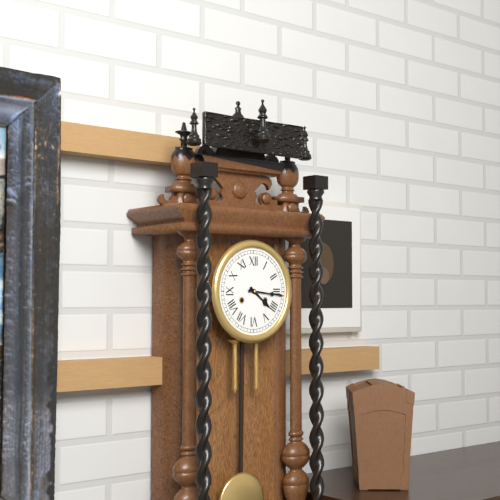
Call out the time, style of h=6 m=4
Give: h=4 m=16
